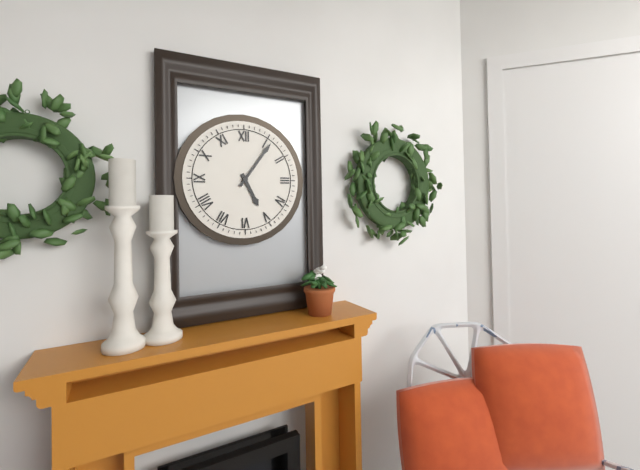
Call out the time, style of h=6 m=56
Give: h=5 m=6
